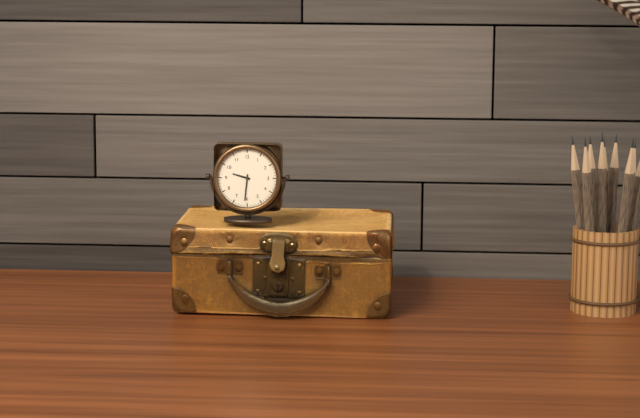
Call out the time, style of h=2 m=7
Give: h=9 m=31
